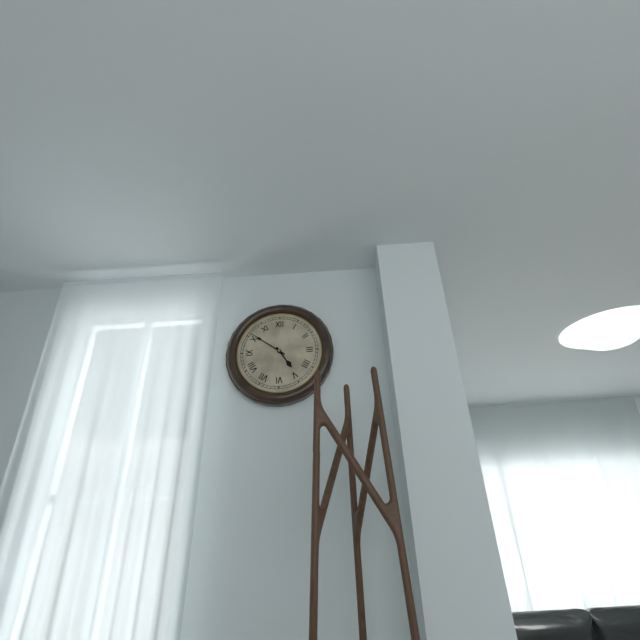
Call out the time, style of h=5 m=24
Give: h=4 m=51
